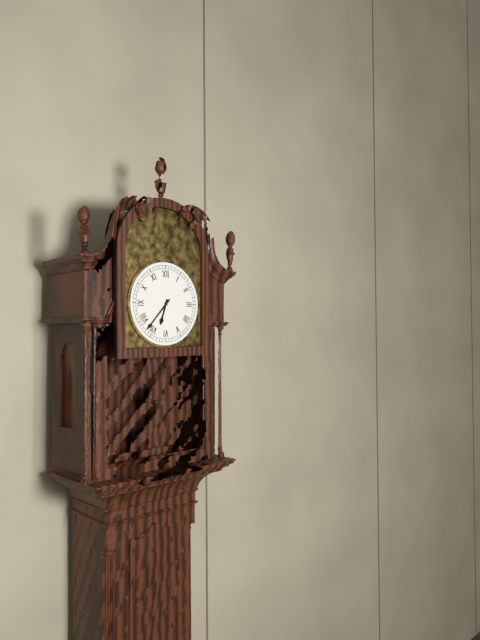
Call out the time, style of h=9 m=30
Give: h=6 m=37
